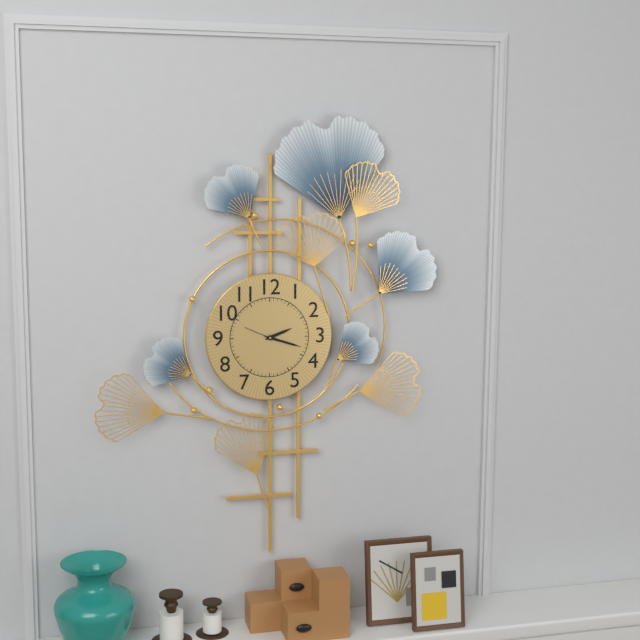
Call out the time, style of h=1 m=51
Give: h=2 m=18
